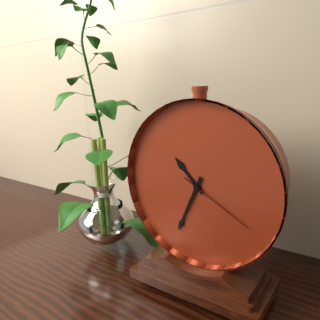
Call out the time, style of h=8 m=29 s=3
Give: h=10 m=34 s=20
